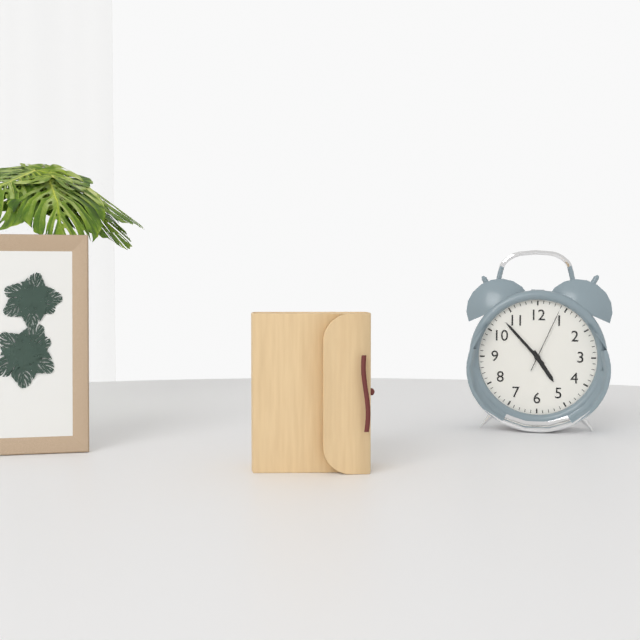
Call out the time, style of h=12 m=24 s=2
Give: h=4 m=53 s=4
